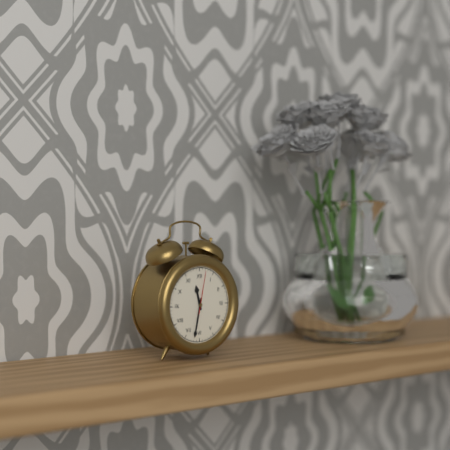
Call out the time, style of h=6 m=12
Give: h=11 m=32
